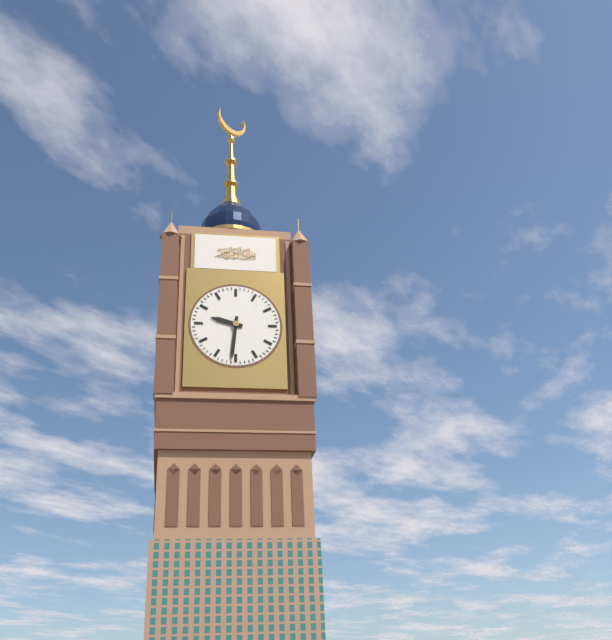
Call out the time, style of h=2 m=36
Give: h=9 m=31
